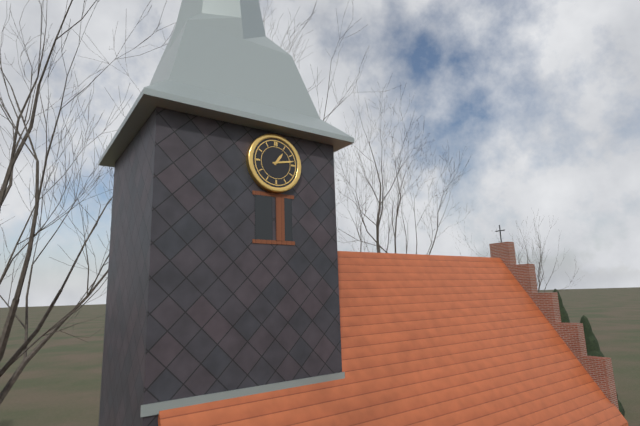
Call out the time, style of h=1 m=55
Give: h=1 m=13
